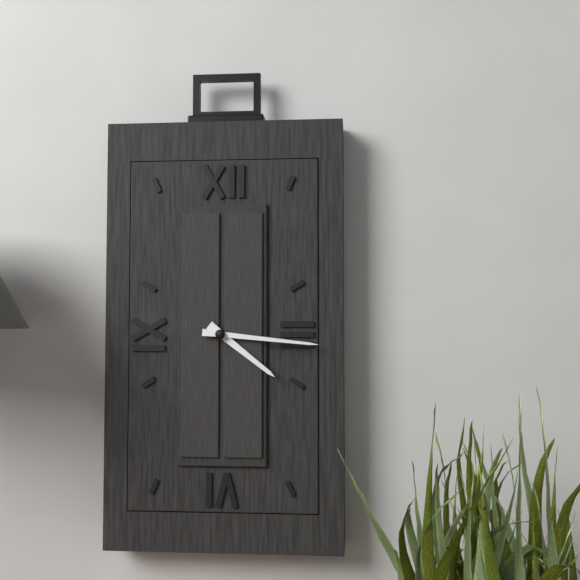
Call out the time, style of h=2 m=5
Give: h=4 m=16
